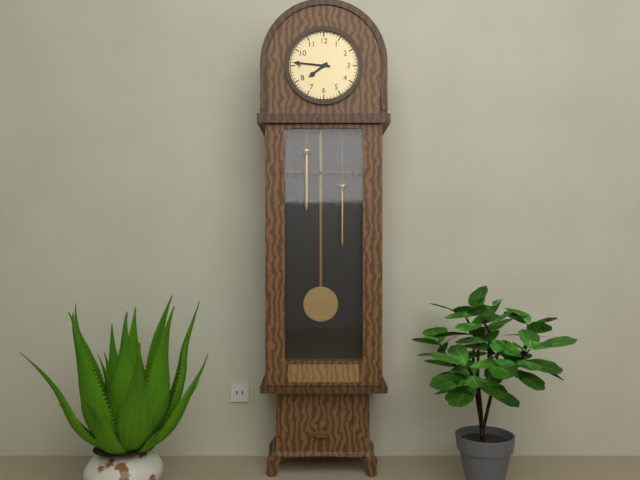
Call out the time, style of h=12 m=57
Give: h=7 m=46
